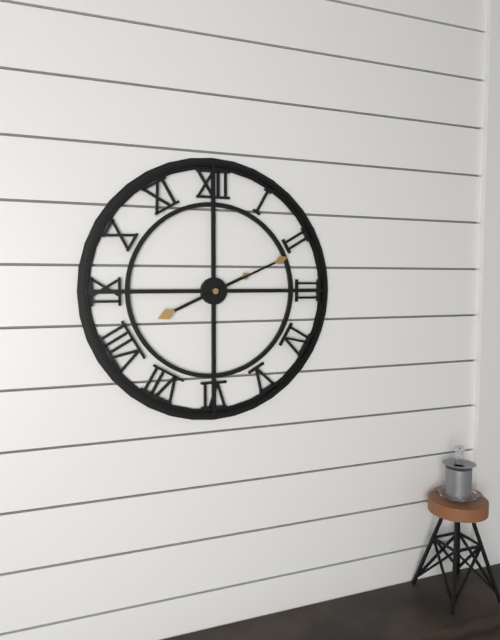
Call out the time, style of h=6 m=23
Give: h=8 m=11
